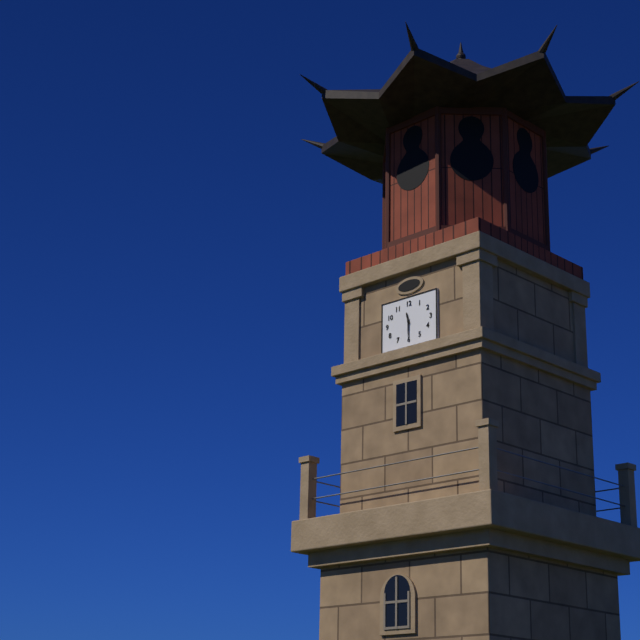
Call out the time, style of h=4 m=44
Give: h=11 m=30
